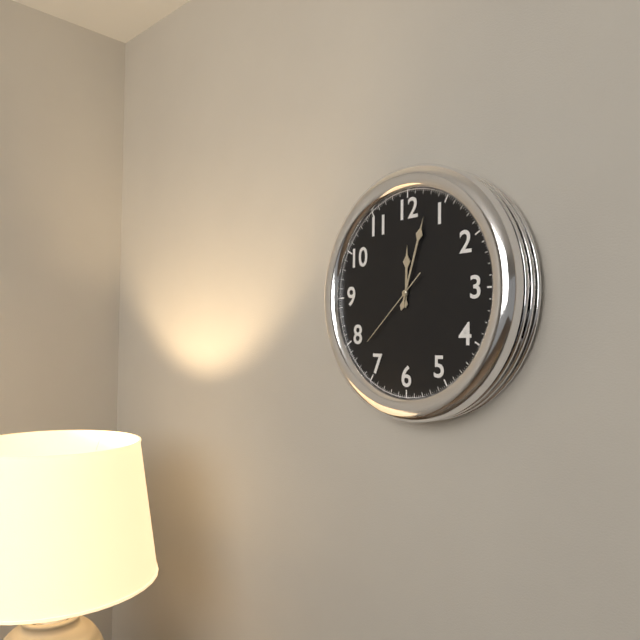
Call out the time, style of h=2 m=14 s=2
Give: h=12 m=3 s=38
